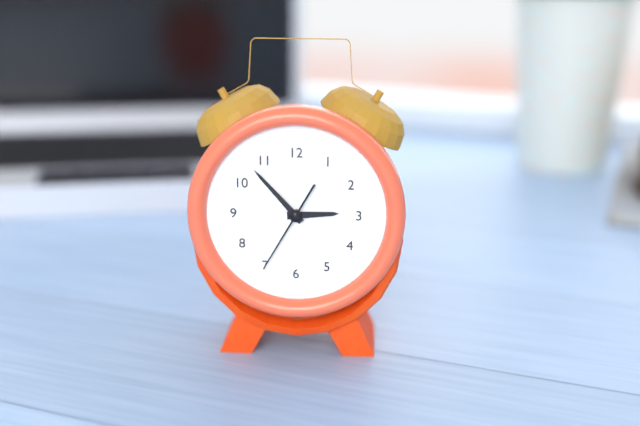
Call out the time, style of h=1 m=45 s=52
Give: h=2 m=53 s=35
